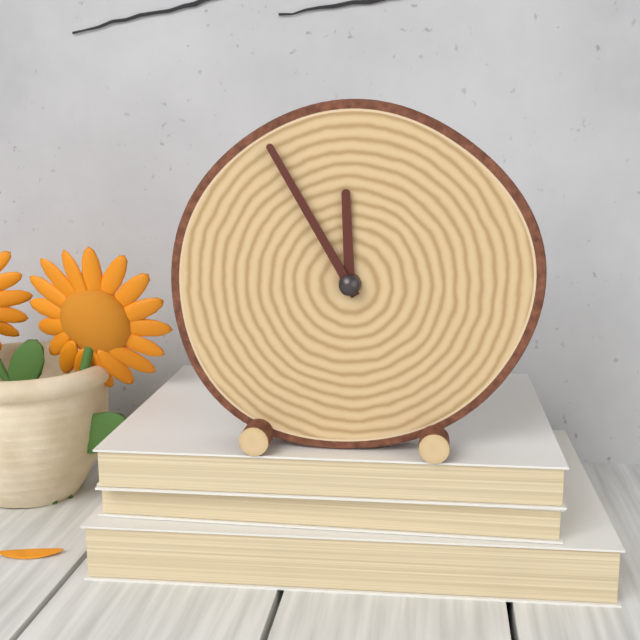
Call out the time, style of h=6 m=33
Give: h=11 m=55
